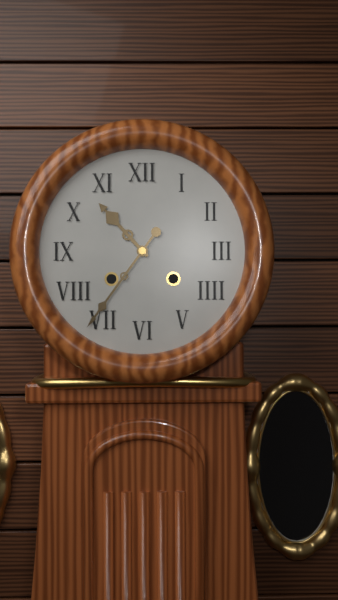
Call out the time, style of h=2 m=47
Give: h=10 m=36
